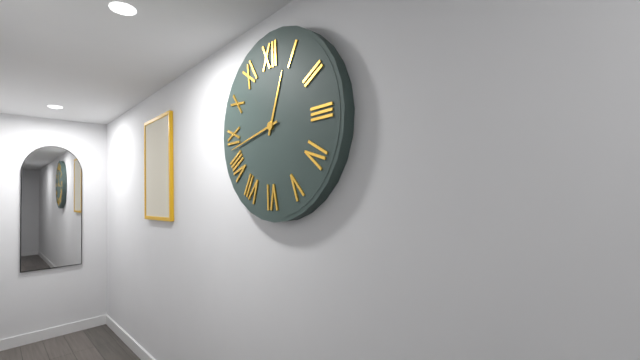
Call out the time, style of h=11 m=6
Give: h=12 m=43
